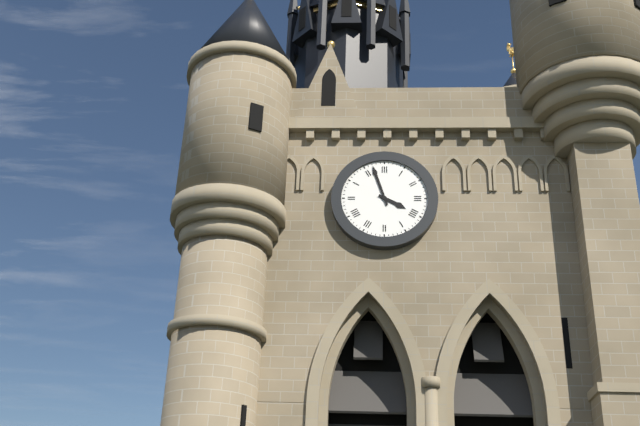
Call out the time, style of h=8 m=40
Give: h=3 m=57
